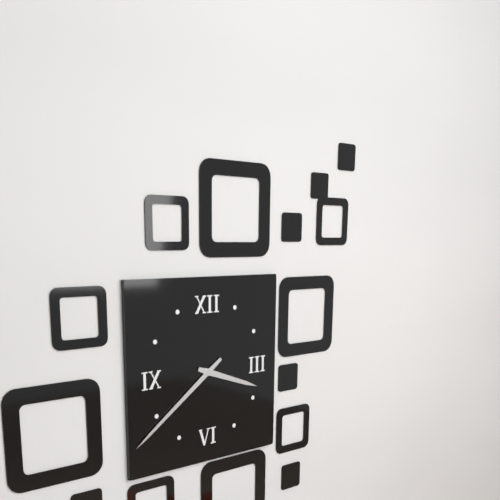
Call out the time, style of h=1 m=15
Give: h=3 m=39
